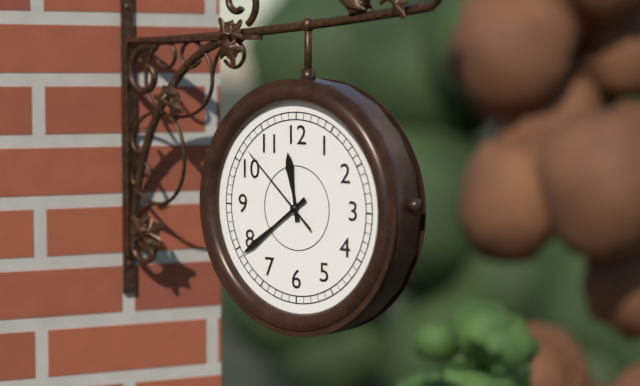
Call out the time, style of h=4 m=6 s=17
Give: h=11 m=39 s=52
